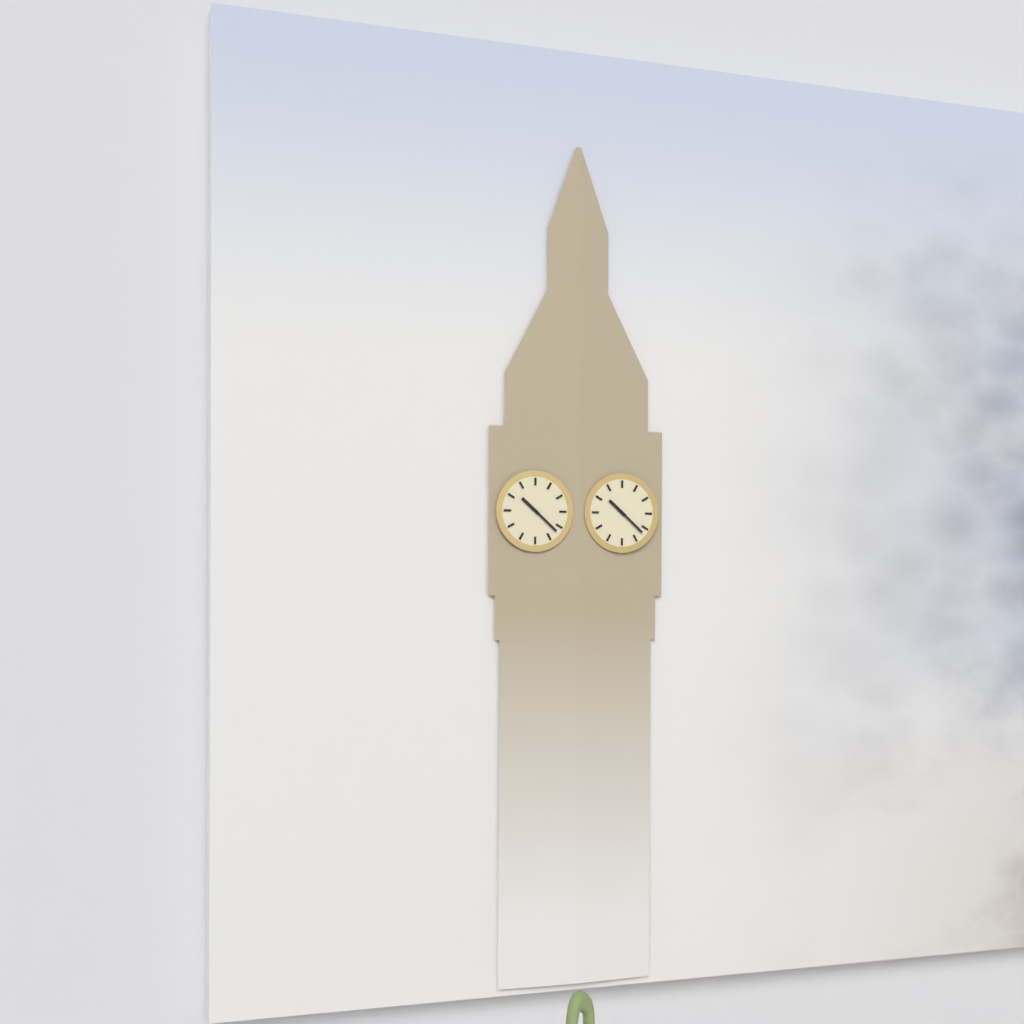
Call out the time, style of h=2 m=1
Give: h=10 m=22
